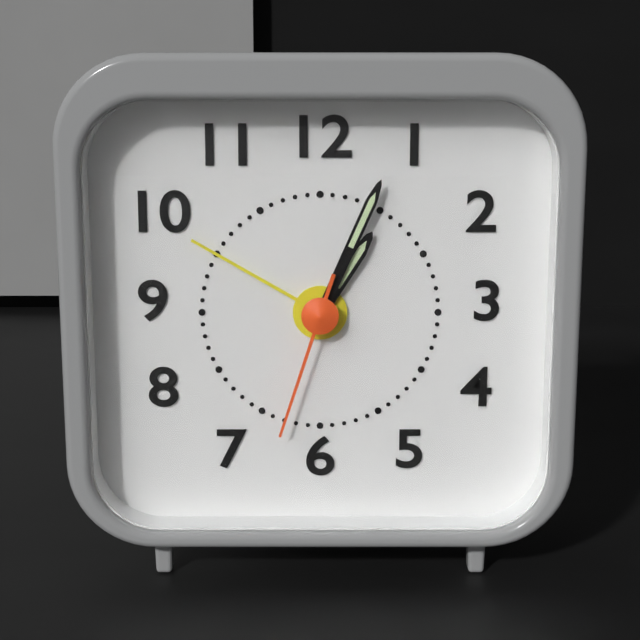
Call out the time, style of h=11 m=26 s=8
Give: h=1 m=4 s=33
